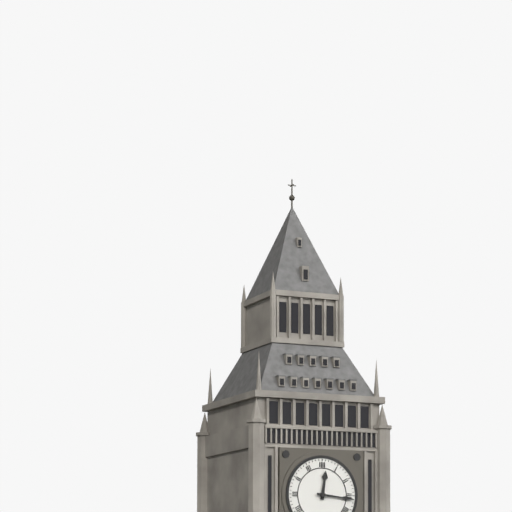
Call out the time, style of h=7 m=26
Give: h=12 m=16
